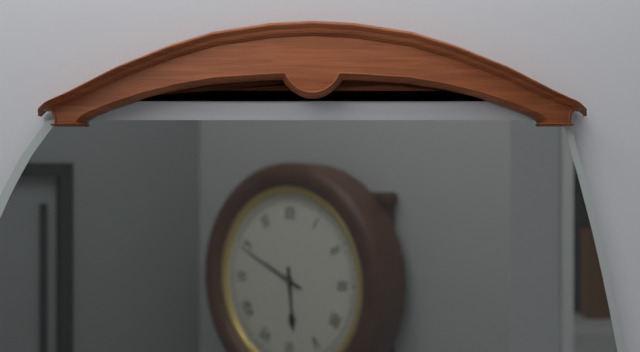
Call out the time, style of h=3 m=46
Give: h=5 m=49
